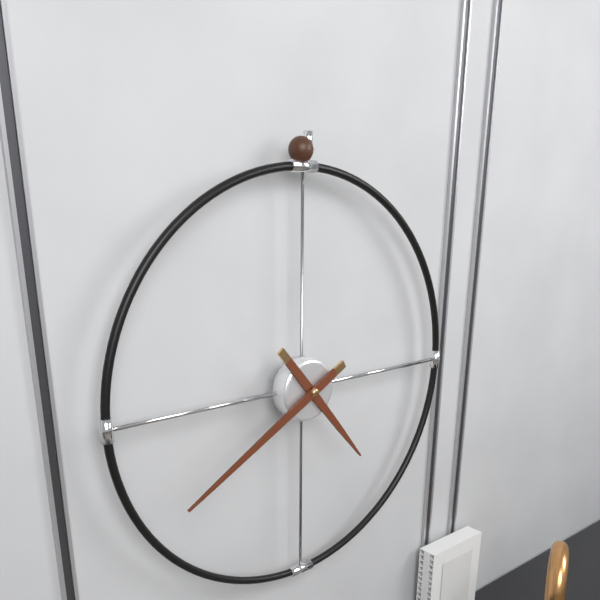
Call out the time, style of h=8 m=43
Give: h=4 m=40
